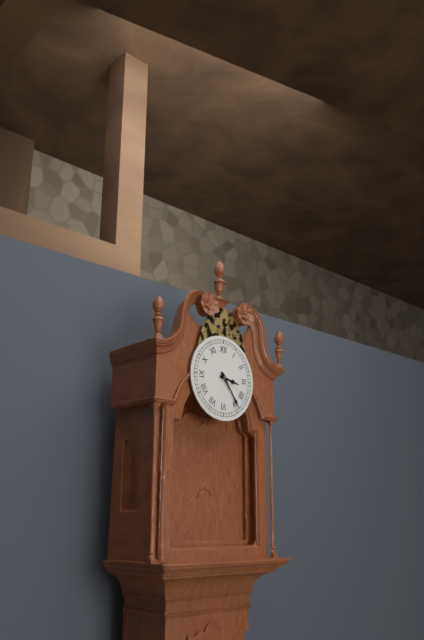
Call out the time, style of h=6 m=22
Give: h=3 m=24
